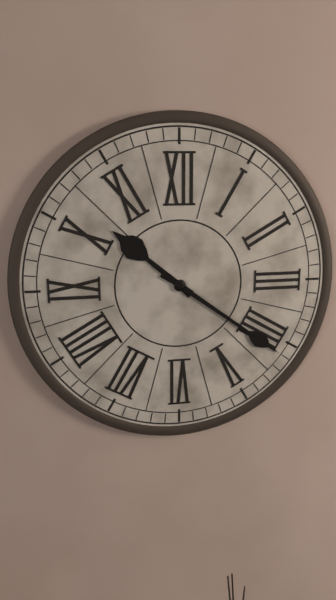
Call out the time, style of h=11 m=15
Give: h=10 m=21
